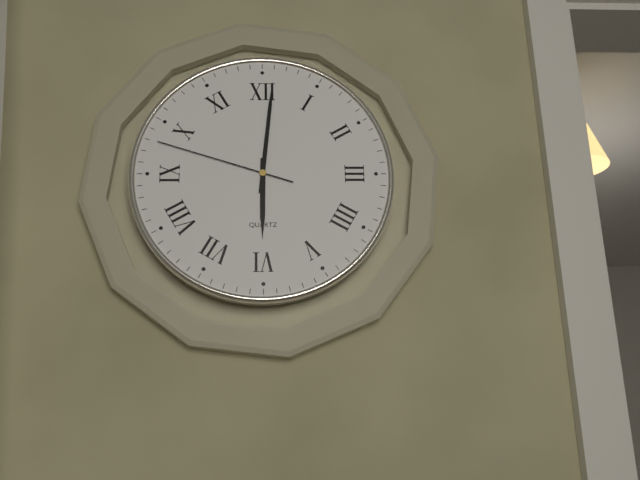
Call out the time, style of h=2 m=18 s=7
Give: h=6 m=1 s=48
